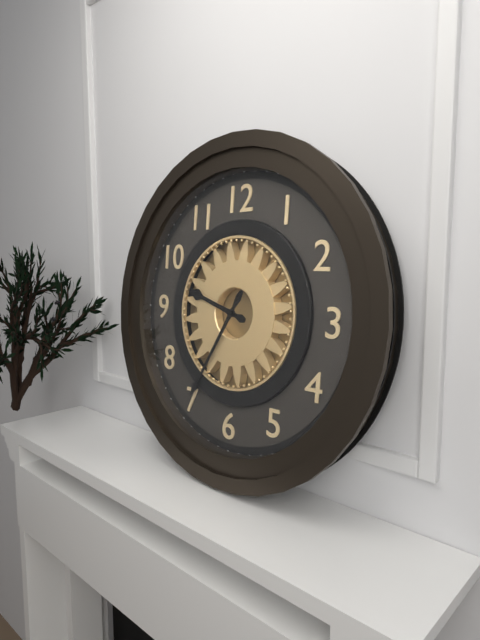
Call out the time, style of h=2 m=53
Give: h=9 m=35
